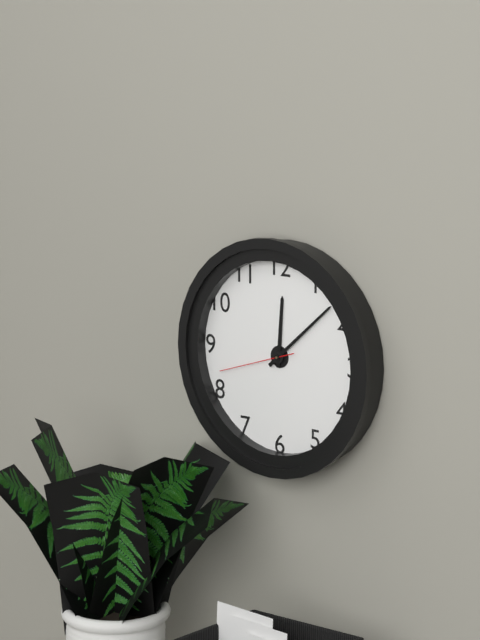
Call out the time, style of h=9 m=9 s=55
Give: h=12 m=8 s=42
